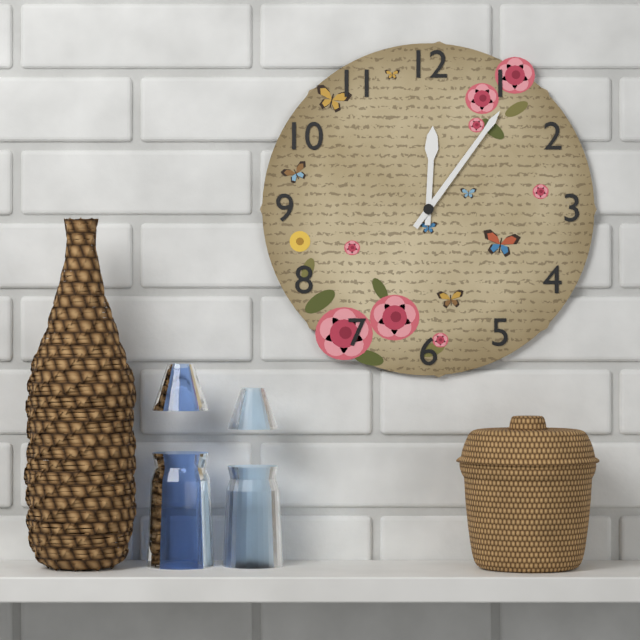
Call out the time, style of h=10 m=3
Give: h=12 m=6
